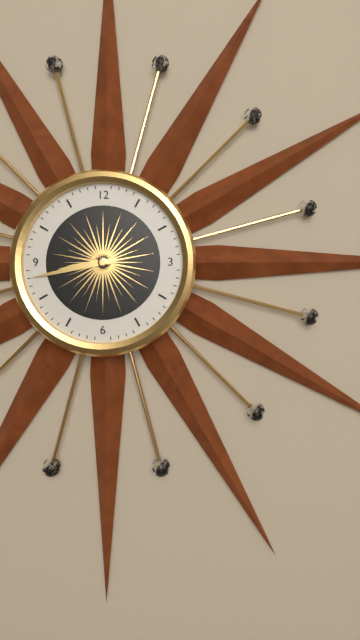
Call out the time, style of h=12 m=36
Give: h=8 m=43
